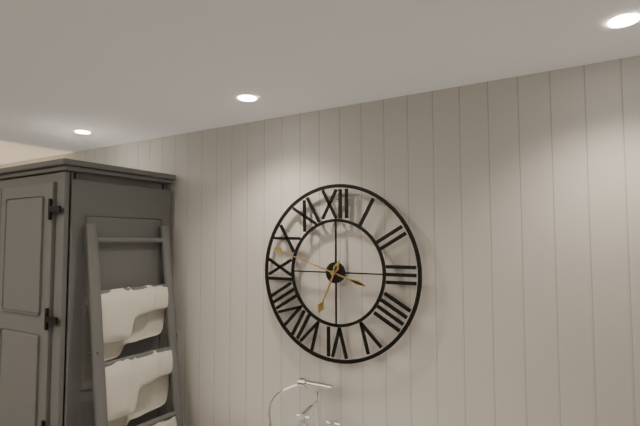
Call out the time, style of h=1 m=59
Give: h=6 m=48
